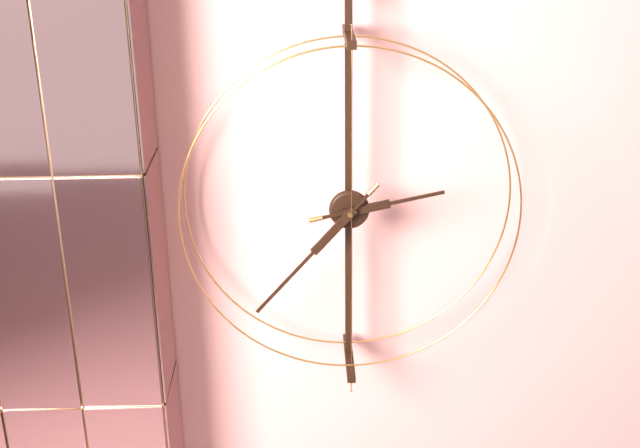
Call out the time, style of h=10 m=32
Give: h=2 m=37
